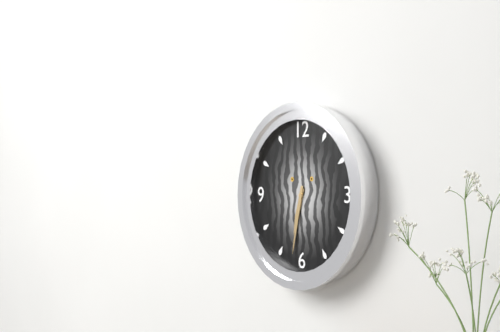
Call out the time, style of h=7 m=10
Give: h=6 m=32
